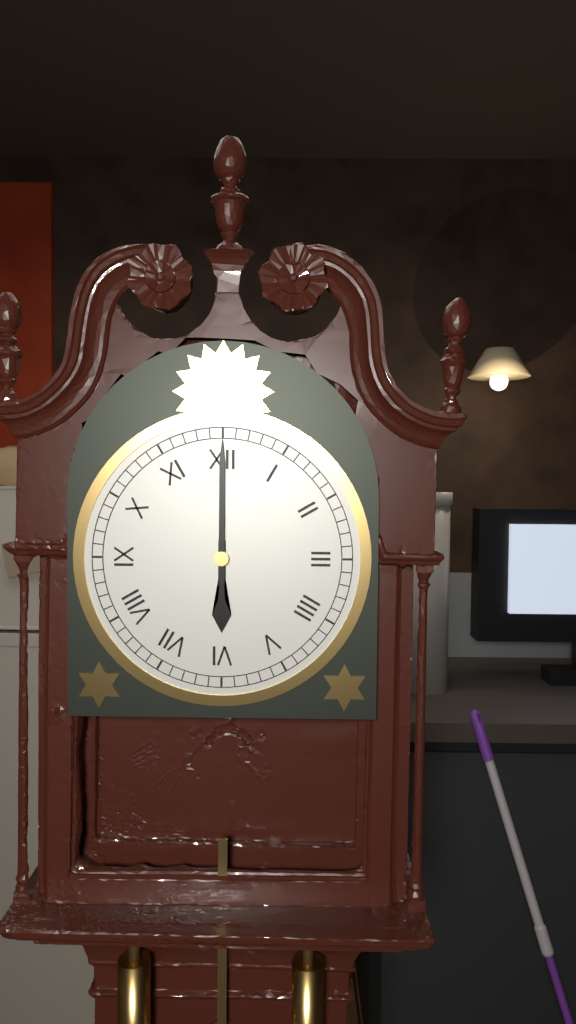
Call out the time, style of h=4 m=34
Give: h=6 m=0
